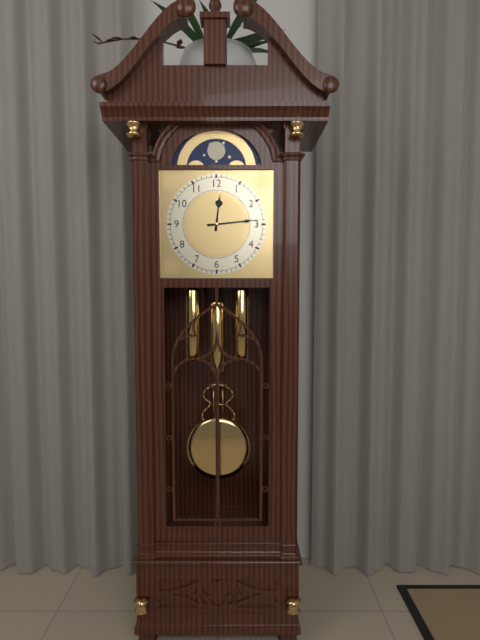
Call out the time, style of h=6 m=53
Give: h=12 m=14
